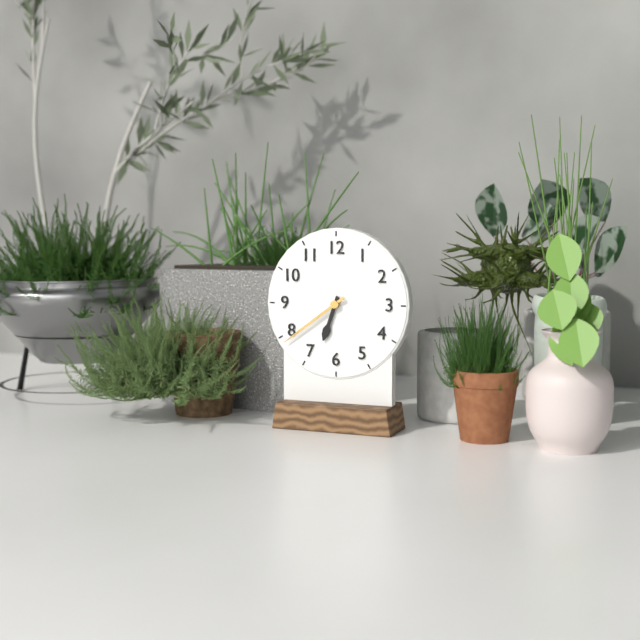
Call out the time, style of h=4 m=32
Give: h=6 m=39
